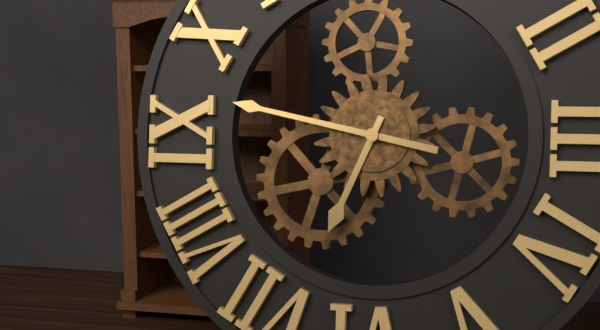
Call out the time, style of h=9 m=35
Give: h=6 m=47
